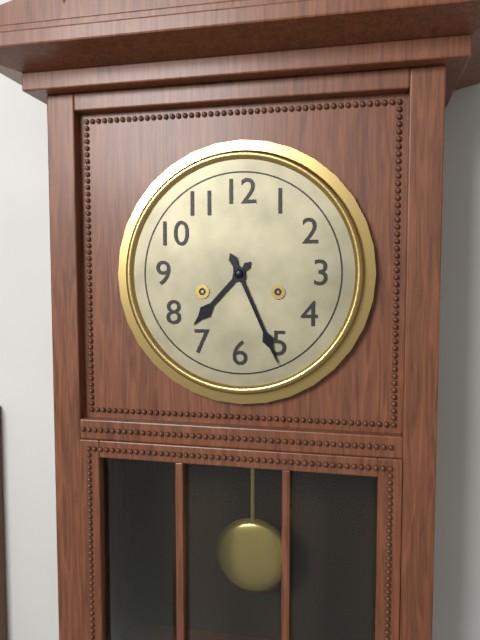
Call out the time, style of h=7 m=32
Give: h=7 m=26
